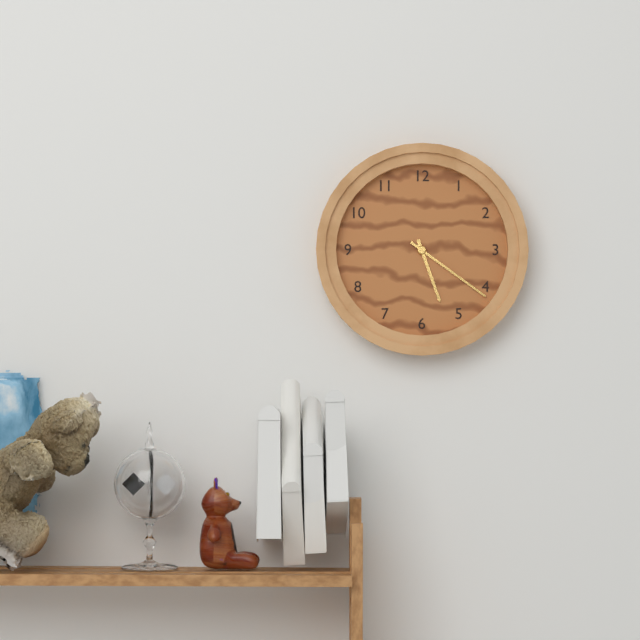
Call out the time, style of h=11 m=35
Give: h=5 m=21
